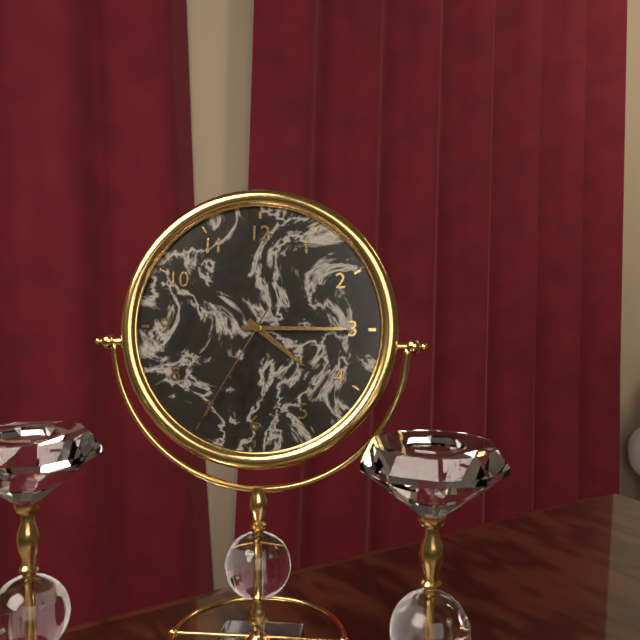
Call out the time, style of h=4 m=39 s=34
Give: h=4 m=15 s=35
